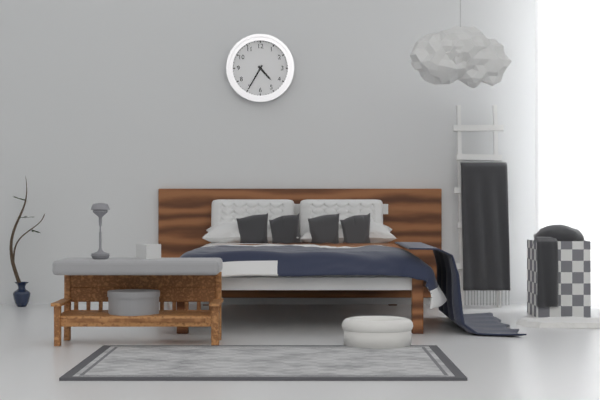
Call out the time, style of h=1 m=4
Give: h=4 m=35
